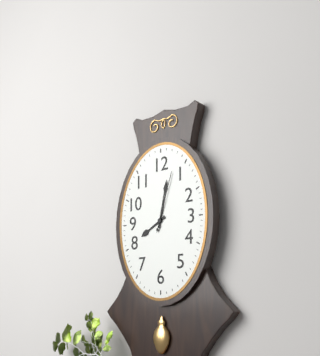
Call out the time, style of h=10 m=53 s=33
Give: h=8 m=2 s=3
